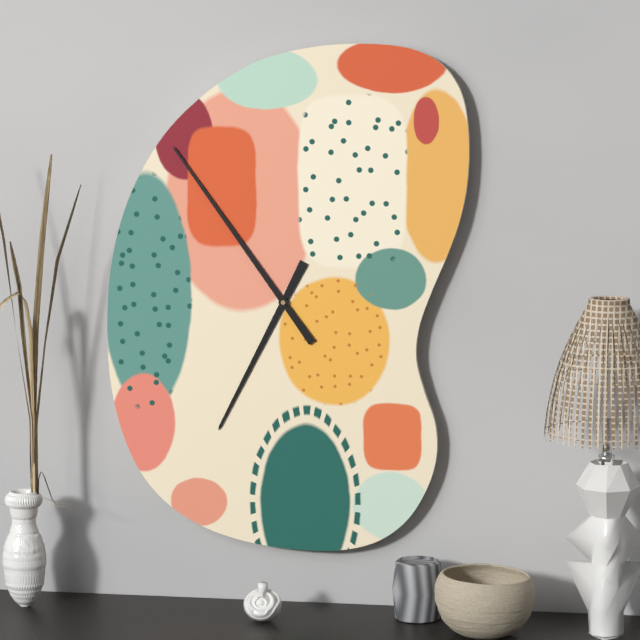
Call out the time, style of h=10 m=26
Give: h=6 m=54
